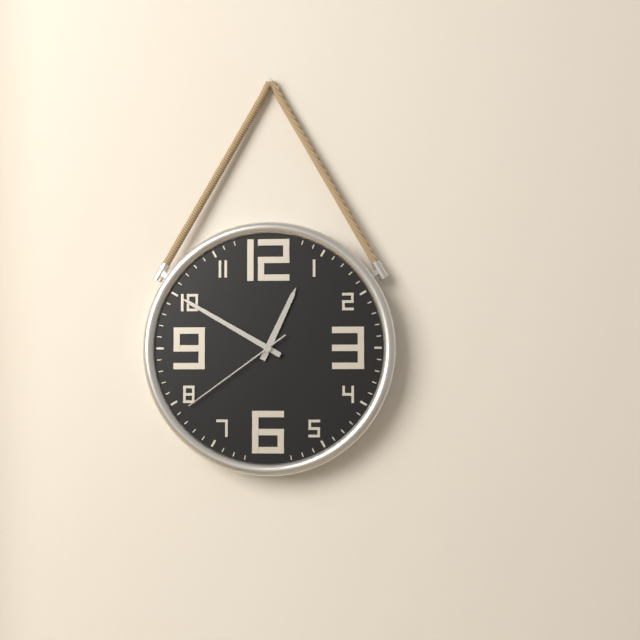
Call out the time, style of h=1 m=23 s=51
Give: h=12 m=50 s=39
